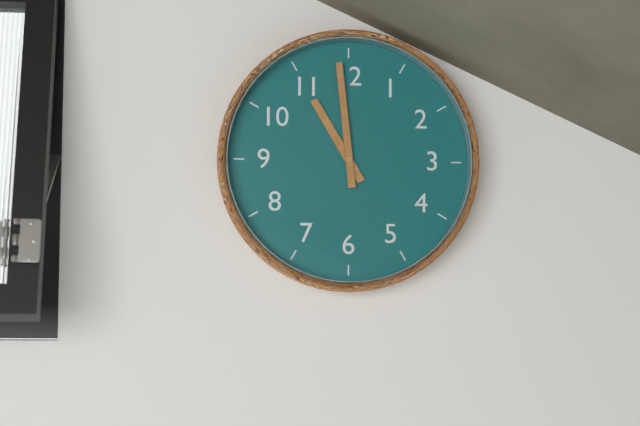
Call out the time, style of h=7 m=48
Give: h=10 m=59
